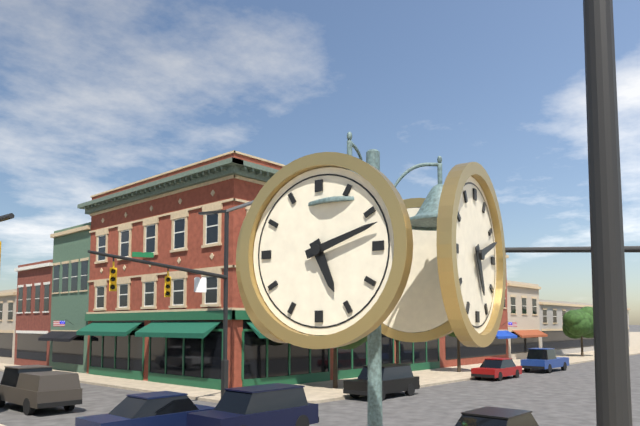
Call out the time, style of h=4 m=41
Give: h=5 m=12
